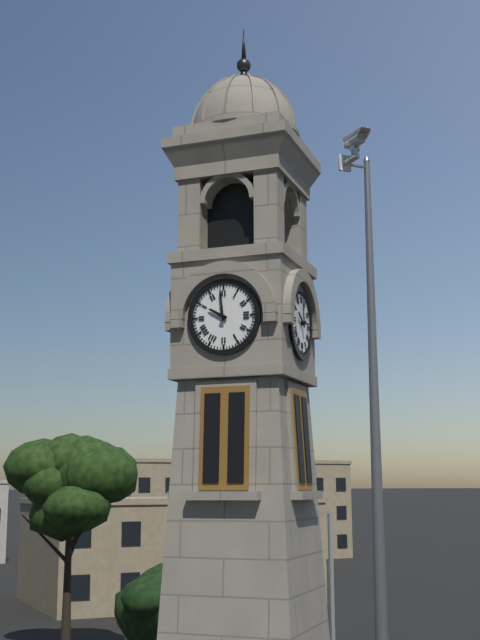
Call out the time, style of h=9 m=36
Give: h=9 m=59
